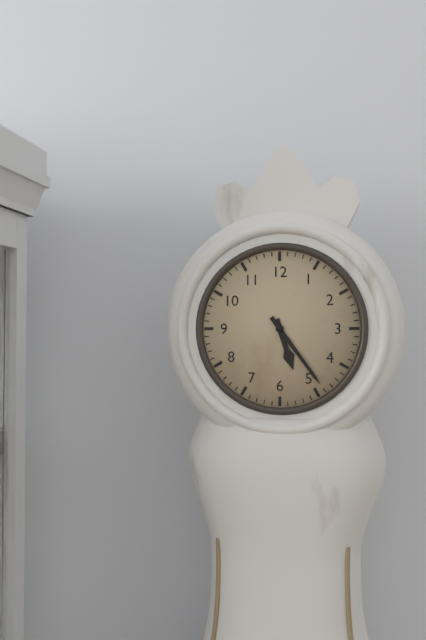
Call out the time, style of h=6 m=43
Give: h=5 m=24
